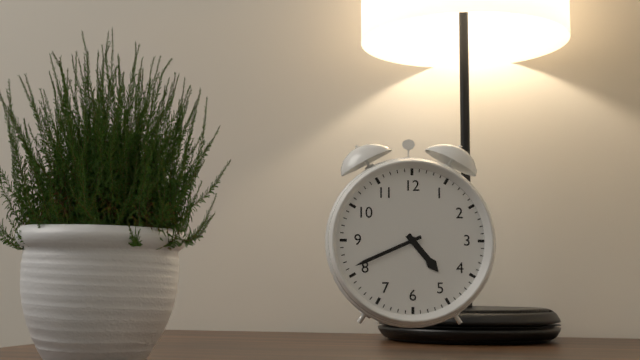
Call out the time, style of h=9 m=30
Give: h=4 m=41
